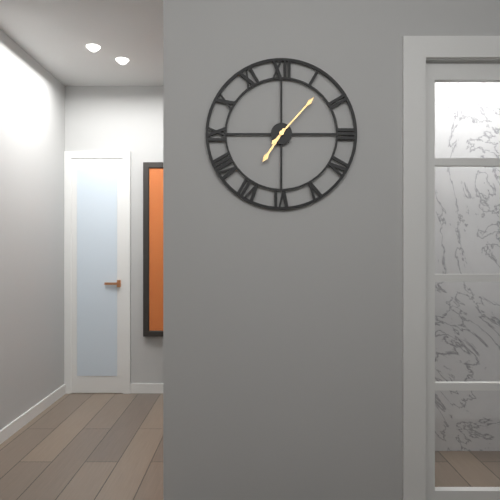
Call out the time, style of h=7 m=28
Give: h=7 m=7
